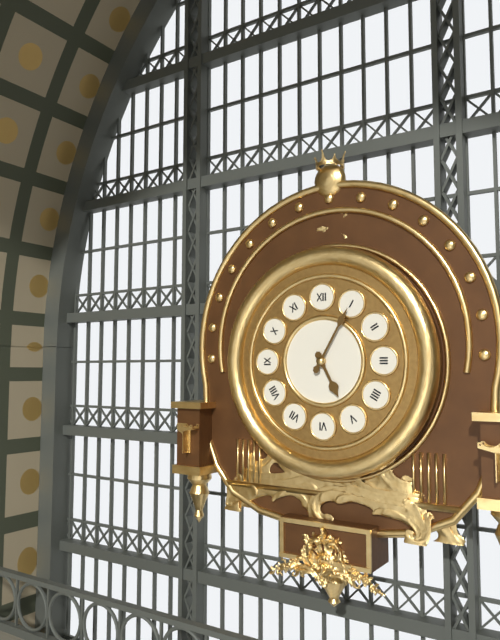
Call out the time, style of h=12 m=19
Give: h=5 m=5
